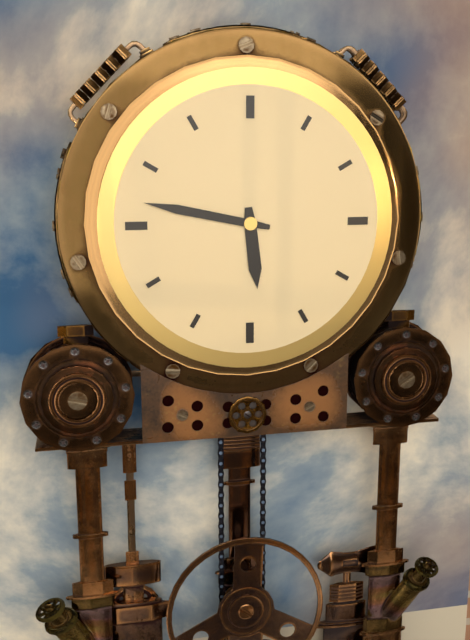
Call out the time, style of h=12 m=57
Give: h=5 m=47
